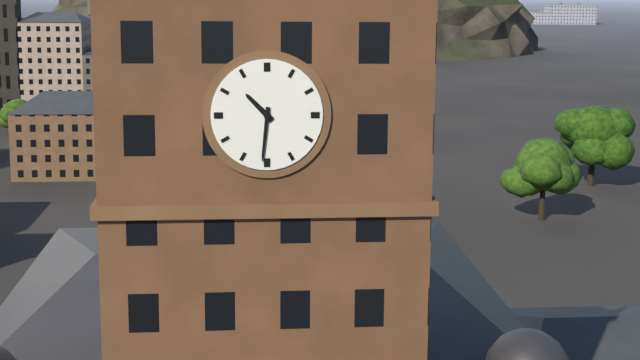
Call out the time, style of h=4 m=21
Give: h=10 m=31
